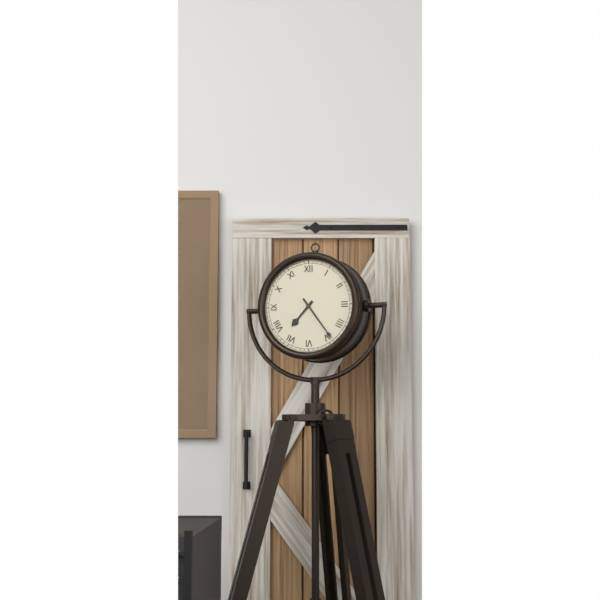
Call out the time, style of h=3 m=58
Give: h=7 m=24
